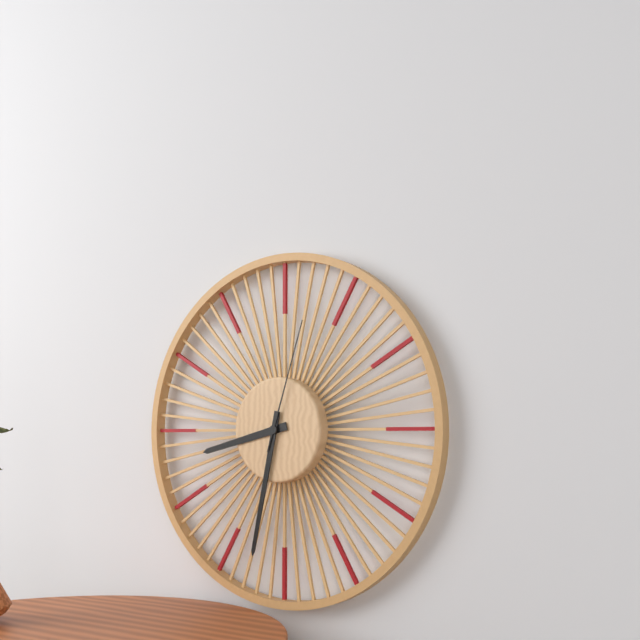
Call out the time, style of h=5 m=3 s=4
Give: h=8 m=32 s=3
